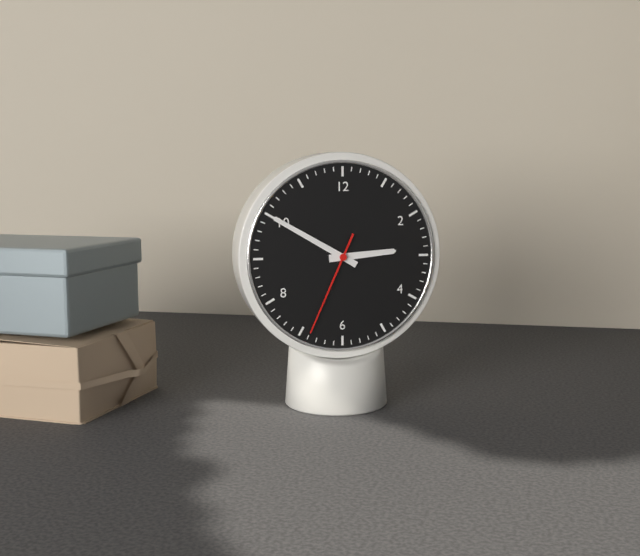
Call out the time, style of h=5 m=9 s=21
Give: h=2 m=50 s=34
